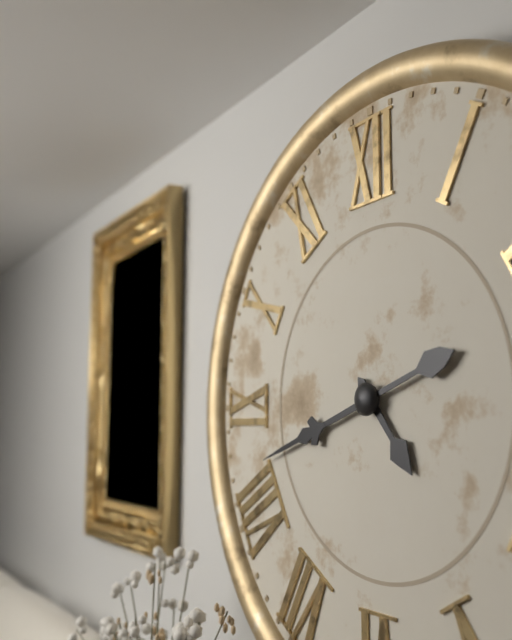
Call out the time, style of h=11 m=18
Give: h=4 m=42
